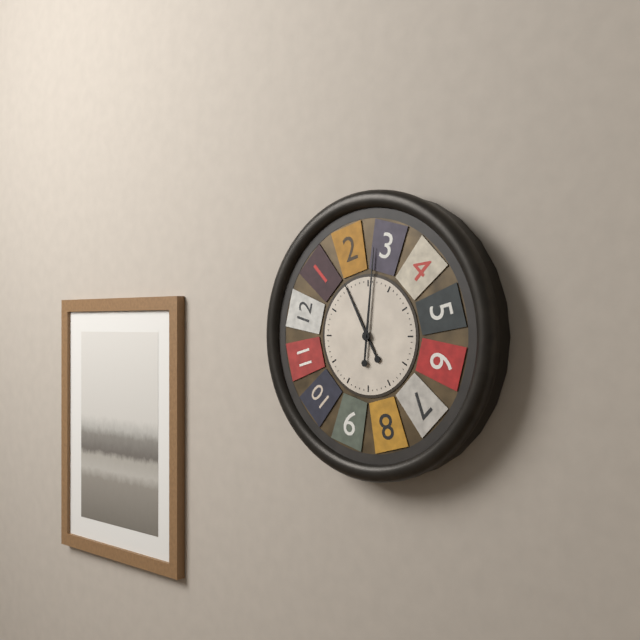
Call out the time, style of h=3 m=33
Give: h=11 m=1
